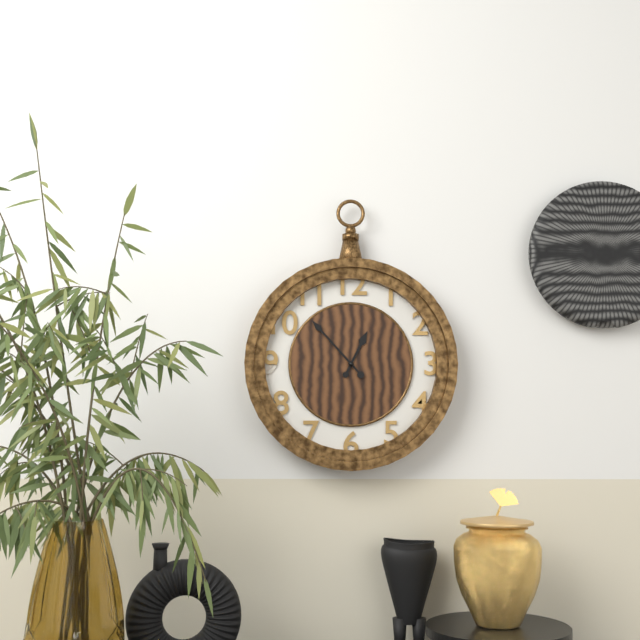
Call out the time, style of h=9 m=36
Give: h=12 m=53
